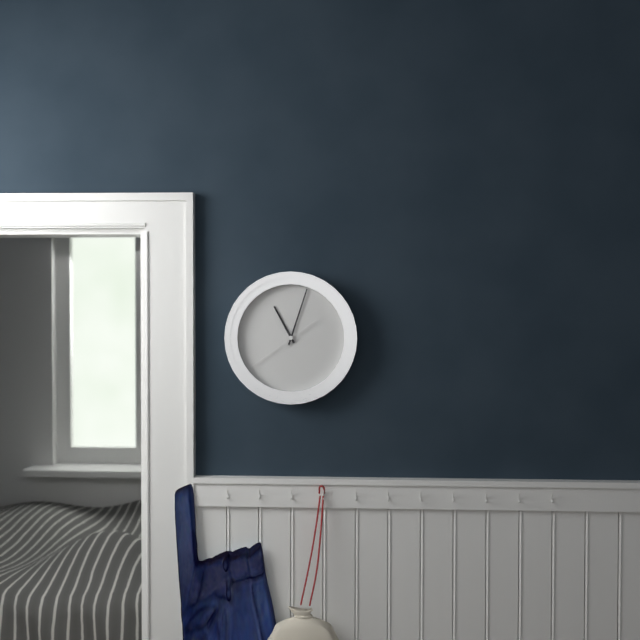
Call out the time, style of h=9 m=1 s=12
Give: h=11 m=3 s=39
